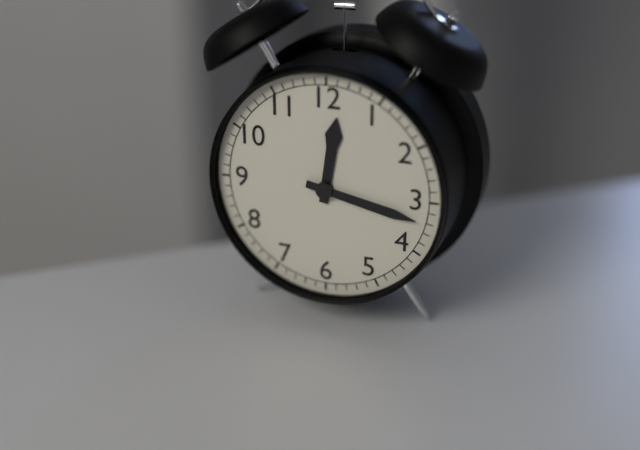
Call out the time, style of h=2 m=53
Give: h=12 m=17
